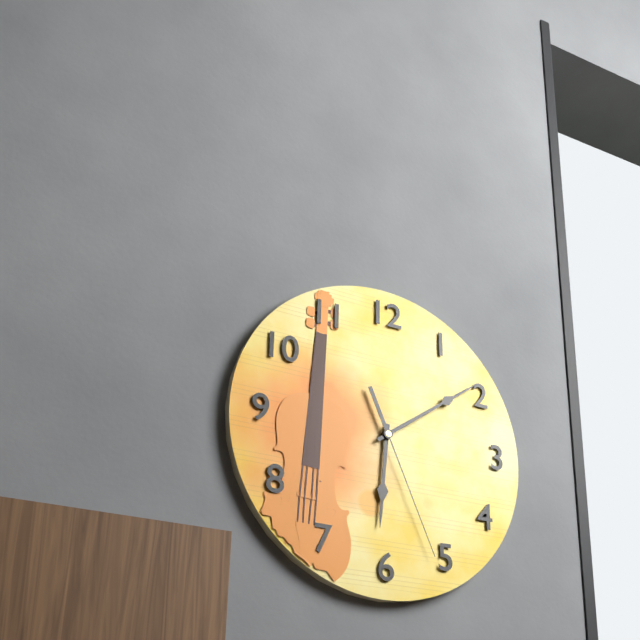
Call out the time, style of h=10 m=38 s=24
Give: h=6 m=9 s=26
